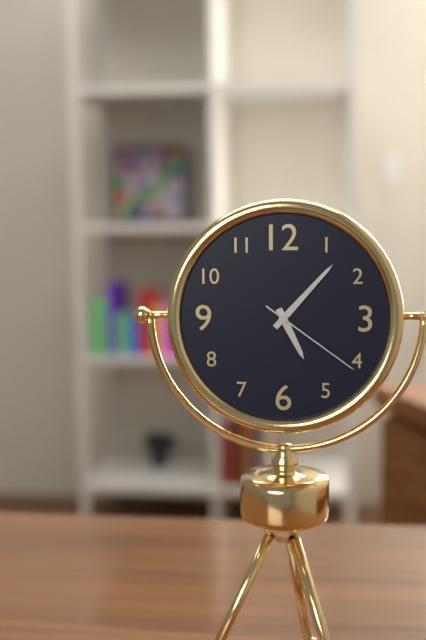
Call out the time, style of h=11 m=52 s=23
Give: h=5 m=7 s=21
